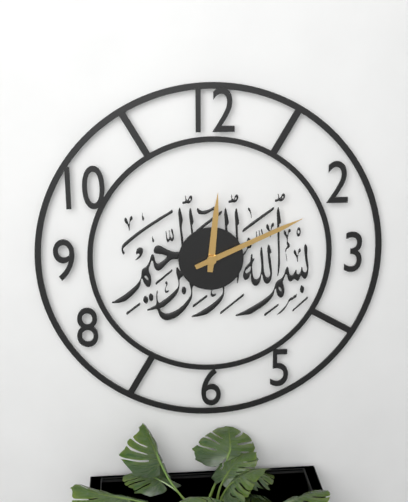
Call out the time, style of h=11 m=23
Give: h=12 m=11
